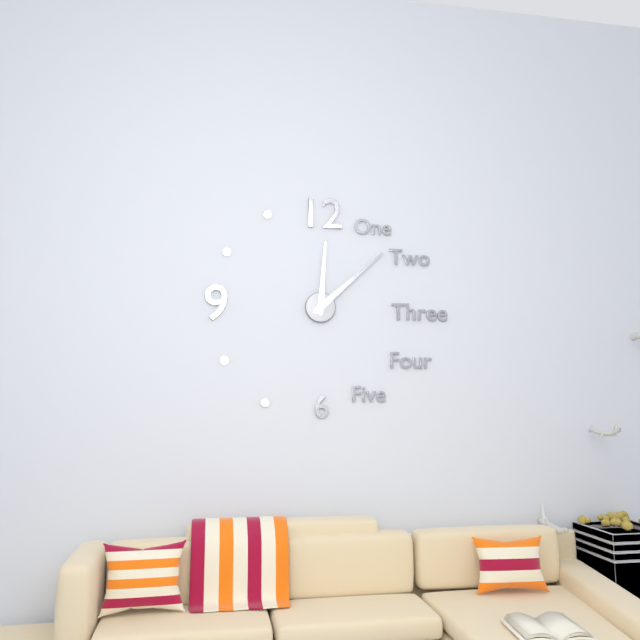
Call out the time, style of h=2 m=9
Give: h=12 m=8
